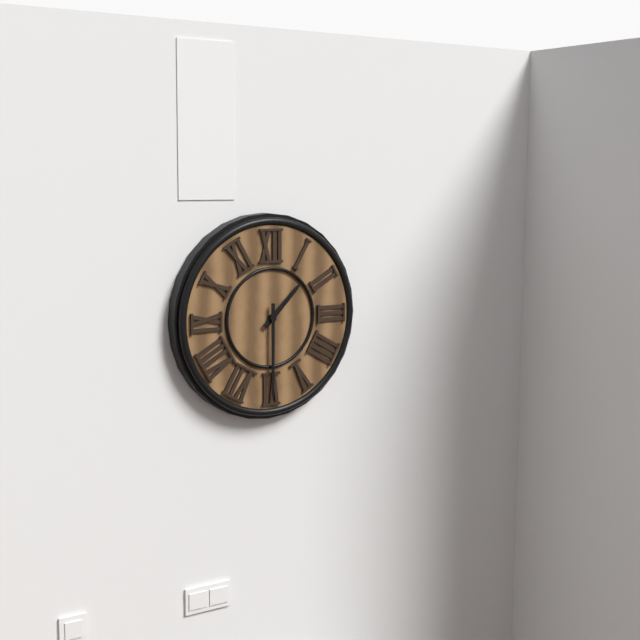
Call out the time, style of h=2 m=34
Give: h=1 m=30
